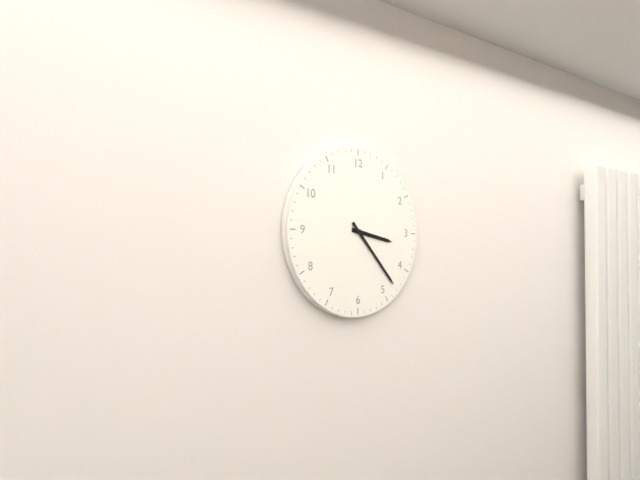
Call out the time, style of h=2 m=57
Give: h=3 m=23
